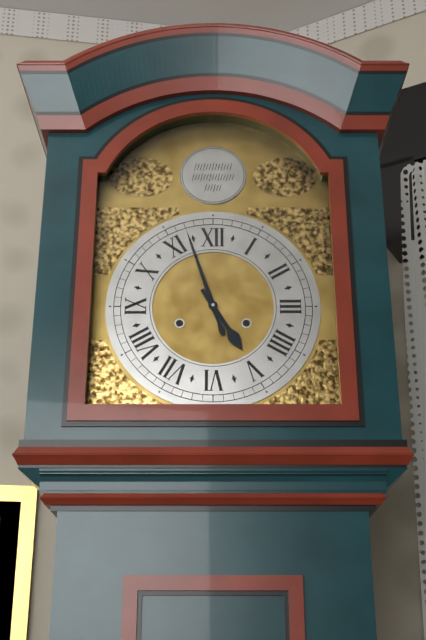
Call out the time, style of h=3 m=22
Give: h=4 m=57
